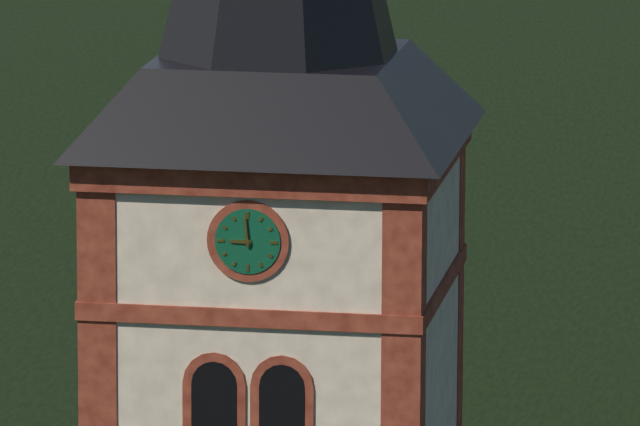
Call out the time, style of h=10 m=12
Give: h=8 m=59
